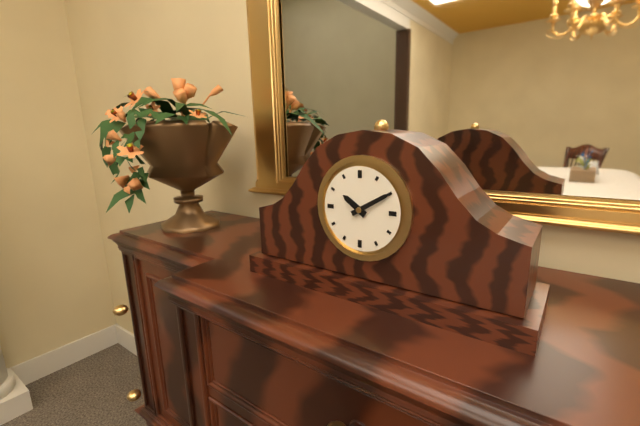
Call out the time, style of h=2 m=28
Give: h=10 m=10
